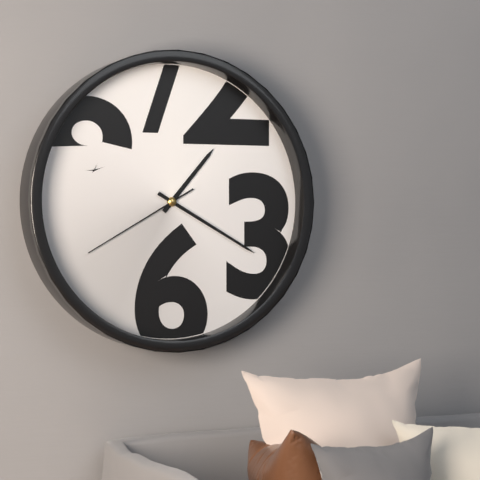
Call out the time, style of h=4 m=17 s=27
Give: h=1 m=20 s=40
